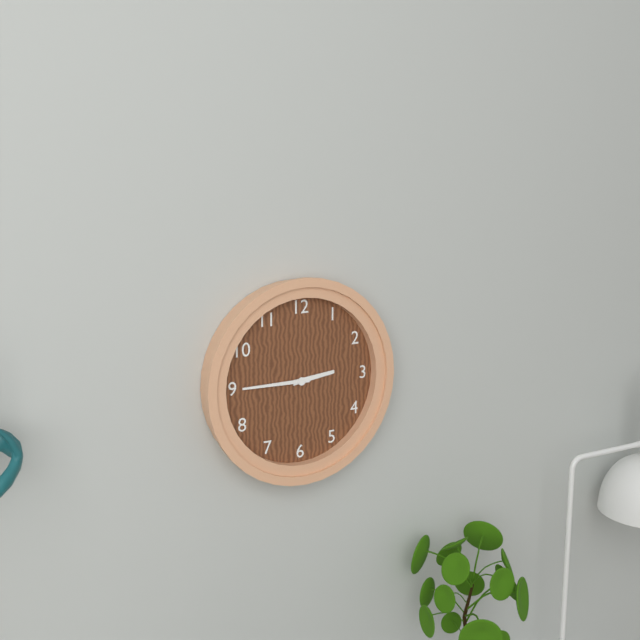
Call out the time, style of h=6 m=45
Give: h=2 m=45
